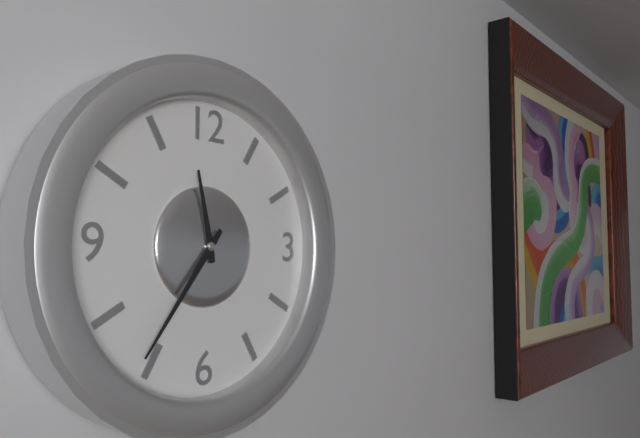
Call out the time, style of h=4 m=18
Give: h=11 m=36
